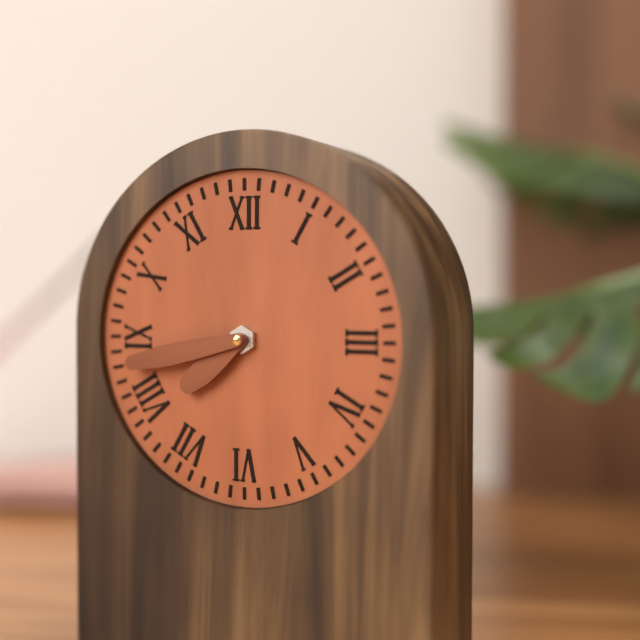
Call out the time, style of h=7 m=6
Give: h=7 m=43
